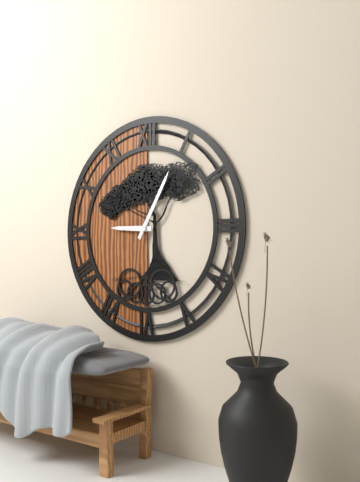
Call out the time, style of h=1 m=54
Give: h=9 m=5
